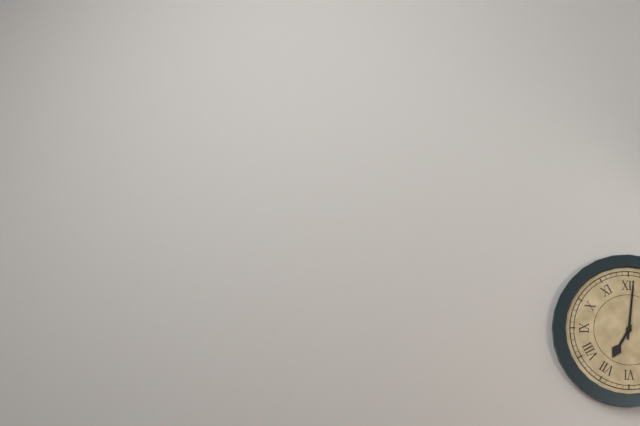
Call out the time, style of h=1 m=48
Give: h=7 m=1
